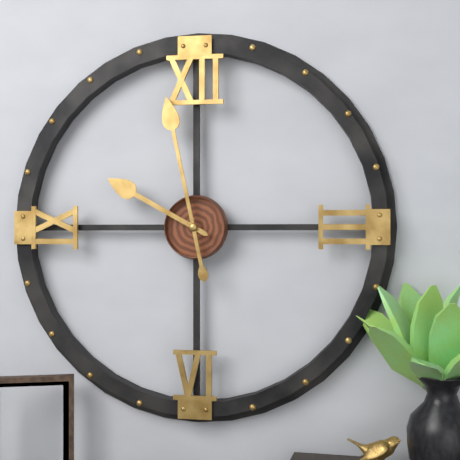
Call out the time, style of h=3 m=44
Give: h=9 m=58
